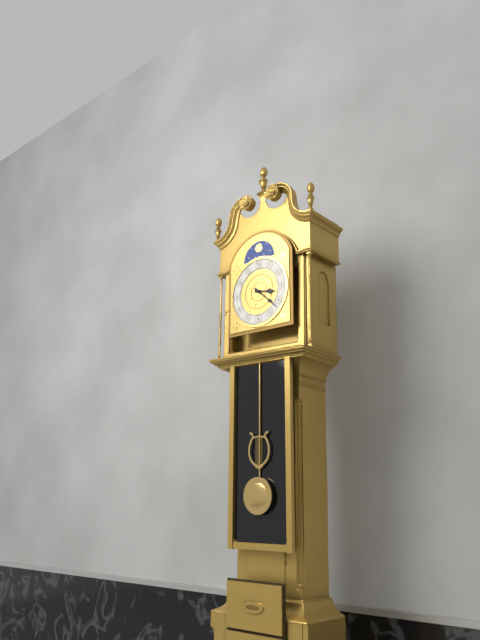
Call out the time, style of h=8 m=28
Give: h=3 m=22
